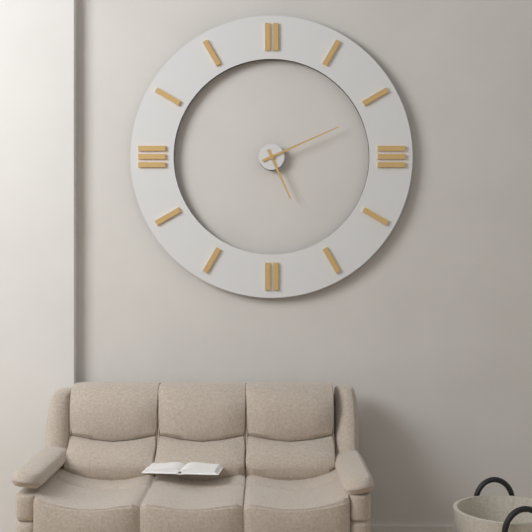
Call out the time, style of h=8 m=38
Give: h=5 m=11
